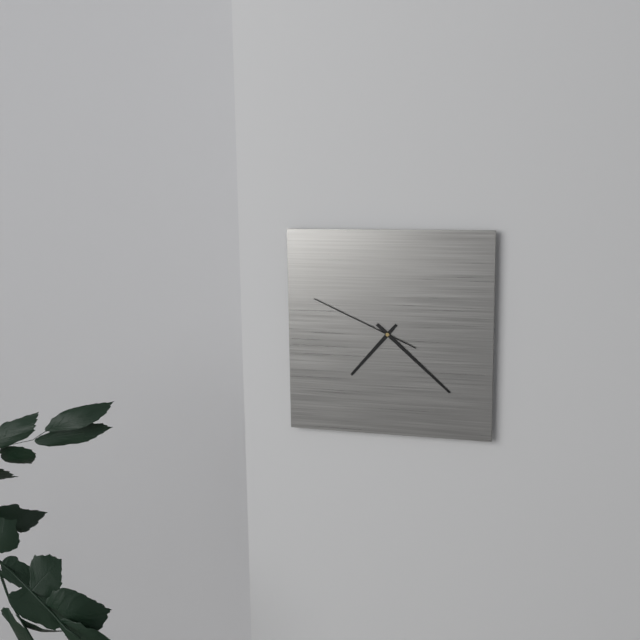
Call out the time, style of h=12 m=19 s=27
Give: h=7 m=22 s=49
